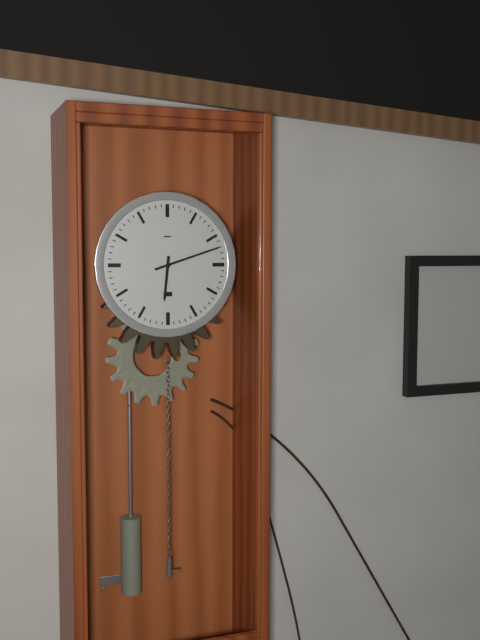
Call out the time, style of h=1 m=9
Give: h=6 m=12
